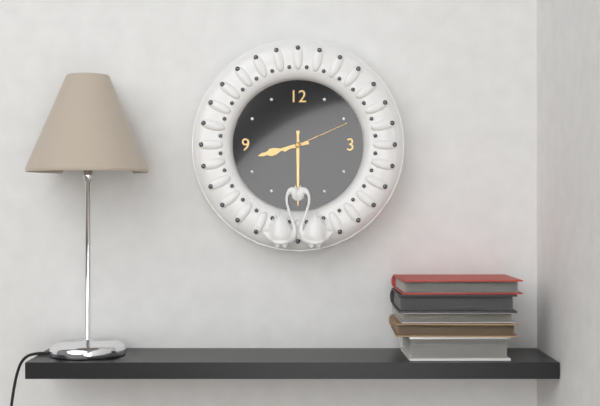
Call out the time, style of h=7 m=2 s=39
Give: h=8 m=30 s=11
